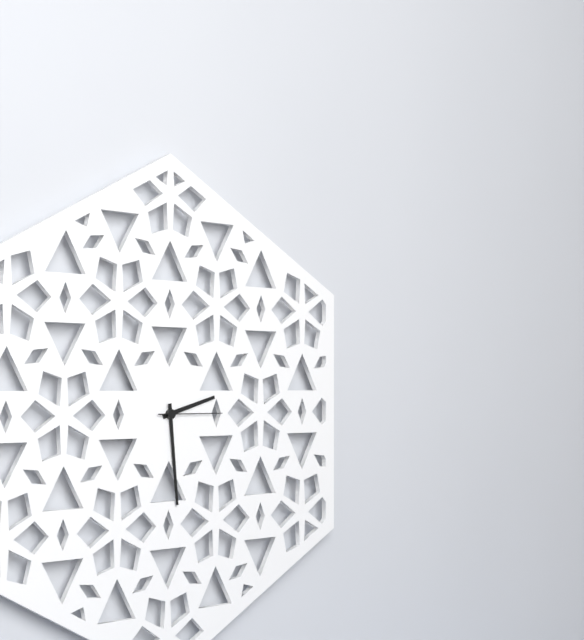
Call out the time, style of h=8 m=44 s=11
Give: h=2 m=29 s=15
